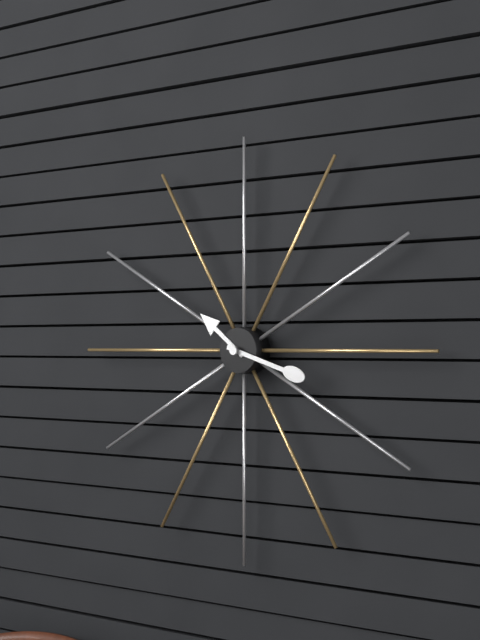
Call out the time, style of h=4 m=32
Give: h=10 m=18
